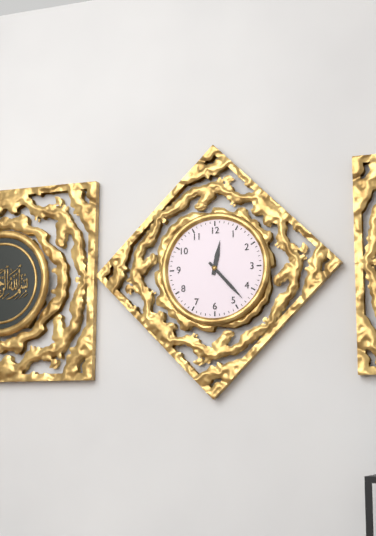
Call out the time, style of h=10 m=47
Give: h=12 m=23
